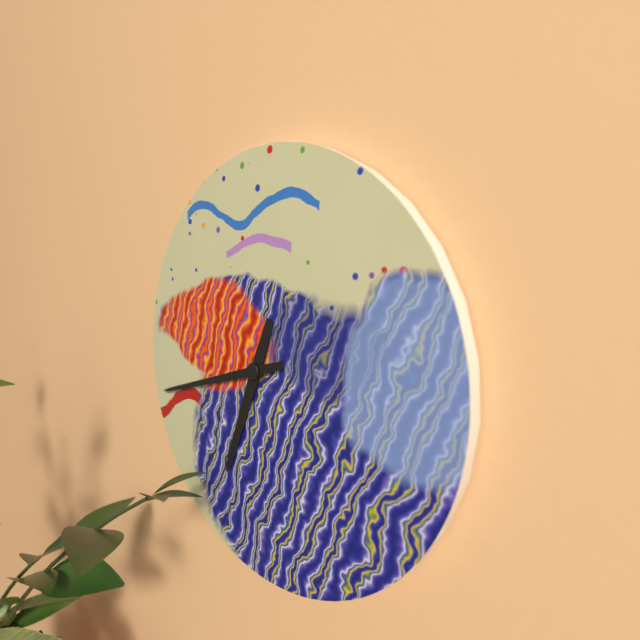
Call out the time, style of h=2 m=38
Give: h=6 m=42
